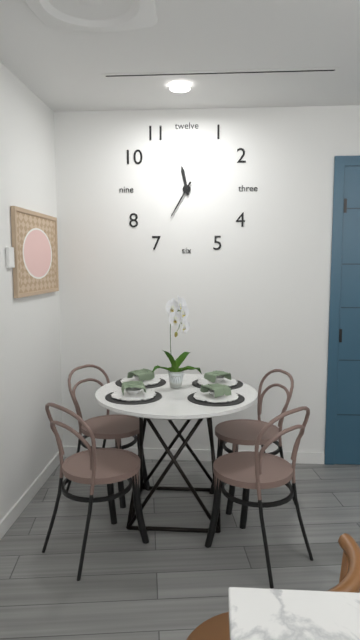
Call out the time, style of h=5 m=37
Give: h=11 m=35
